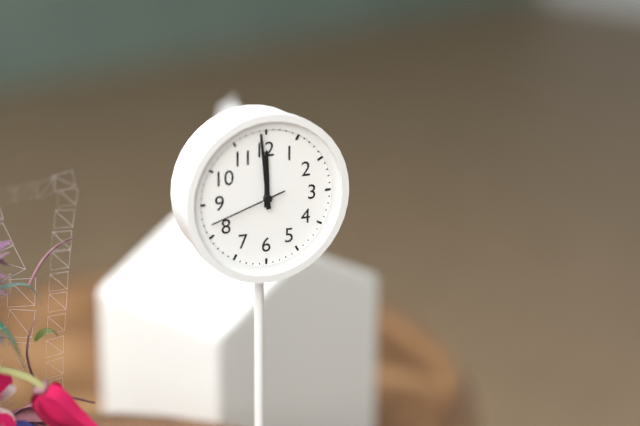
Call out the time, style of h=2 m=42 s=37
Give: h=11 m=59 s=42
